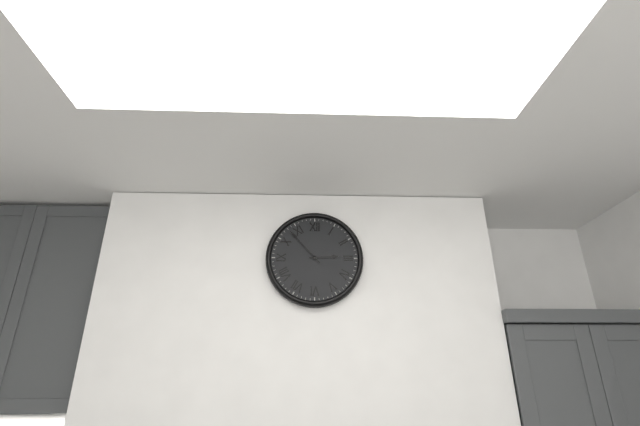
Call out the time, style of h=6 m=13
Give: h=2 m=53
